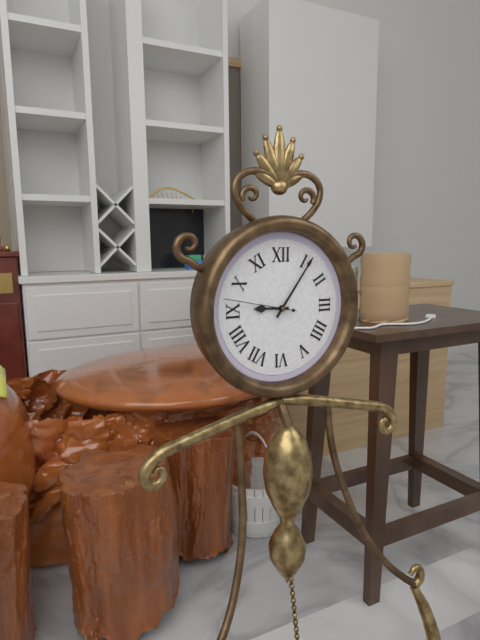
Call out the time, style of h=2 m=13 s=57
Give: h=9 m=6 s=47
